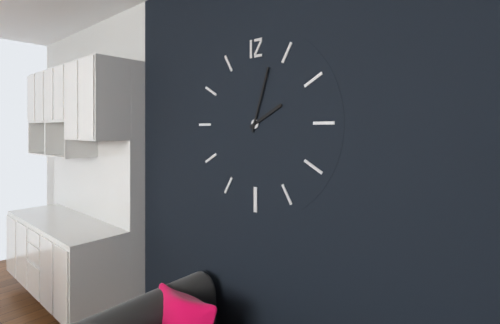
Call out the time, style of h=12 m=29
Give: h=2 m=3
